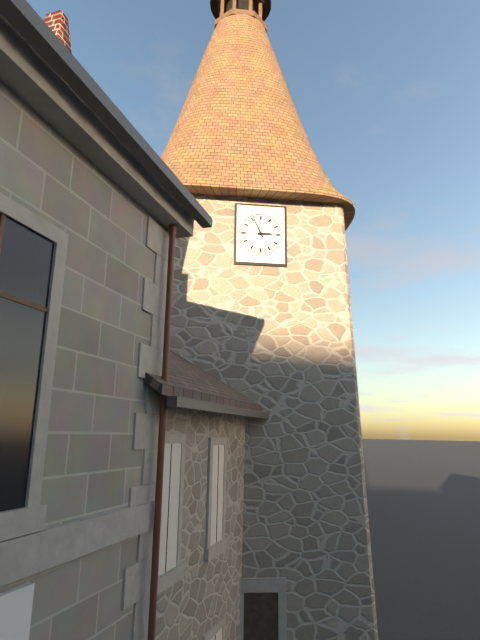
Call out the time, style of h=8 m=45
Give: h=2 m=56
